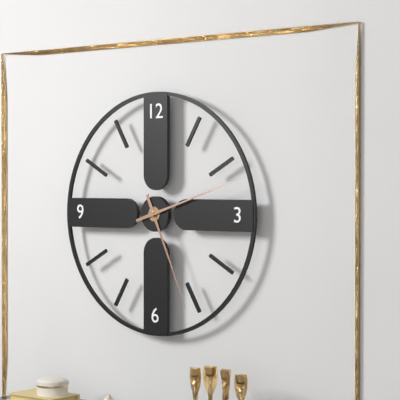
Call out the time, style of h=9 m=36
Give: h=5 m=12
